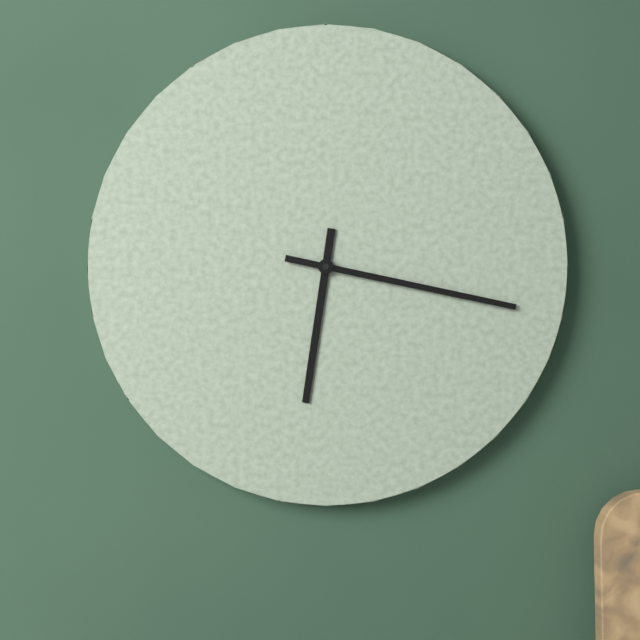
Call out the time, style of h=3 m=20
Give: h=6 m=17
